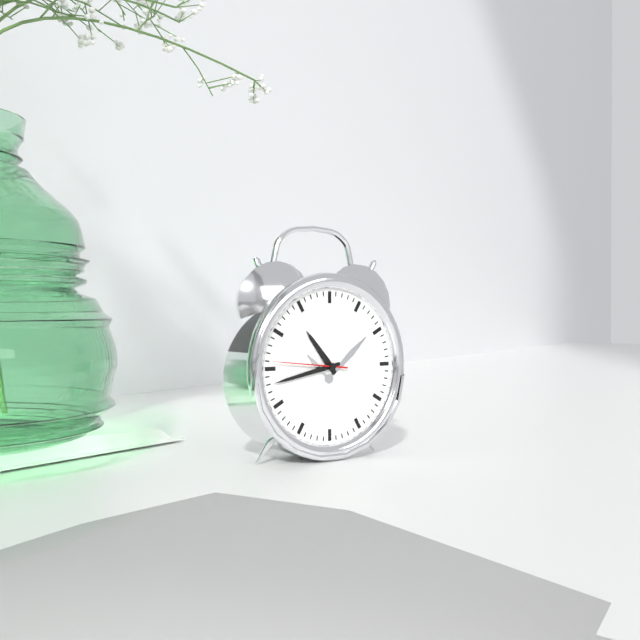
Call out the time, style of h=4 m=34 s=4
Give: h=10 m=43 s=46
